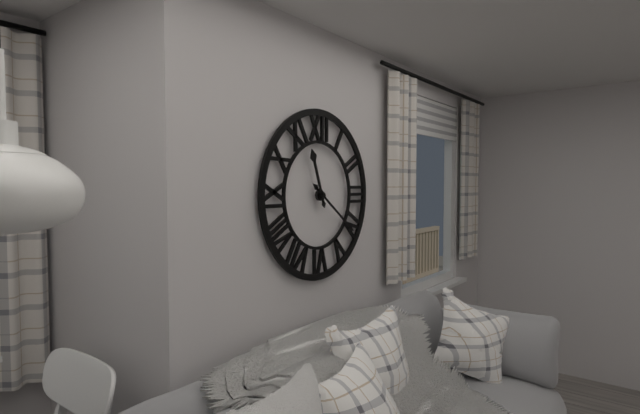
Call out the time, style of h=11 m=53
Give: h=11 m=21
